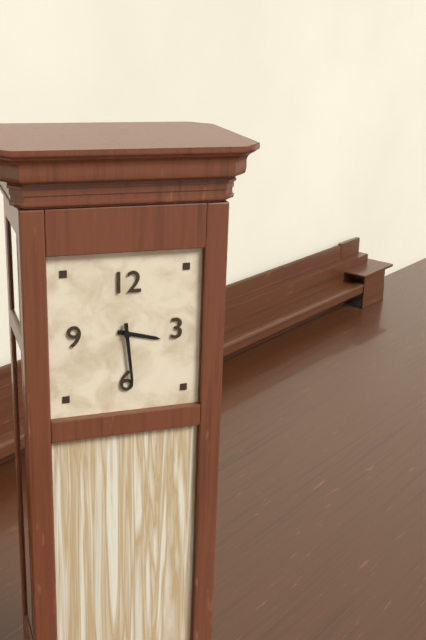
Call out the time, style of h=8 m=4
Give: h=3 m=29
